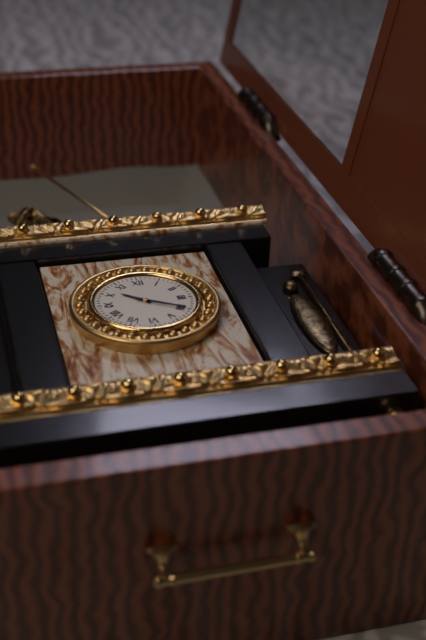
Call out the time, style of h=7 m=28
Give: h=10 m=20
